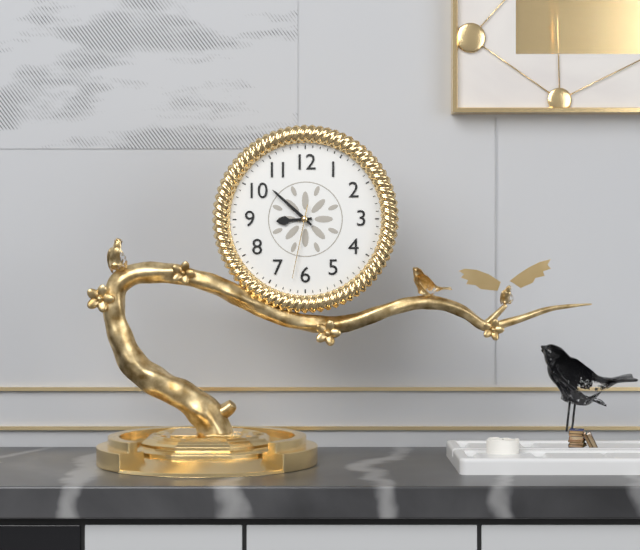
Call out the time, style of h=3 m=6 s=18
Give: h=8 m=52 s=32
